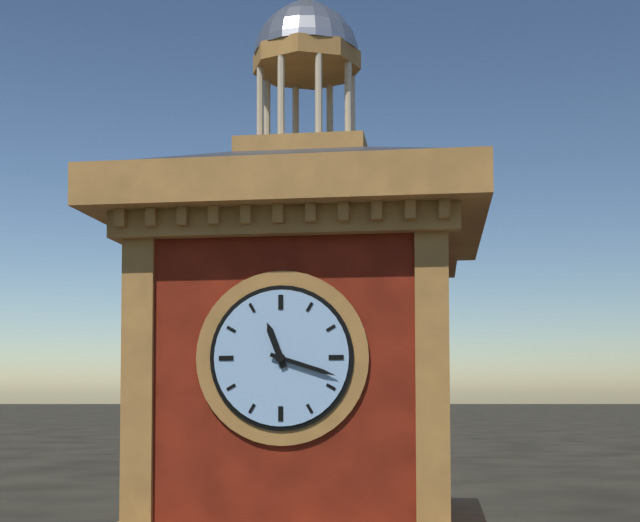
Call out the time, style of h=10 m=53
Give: h=11 m=18
